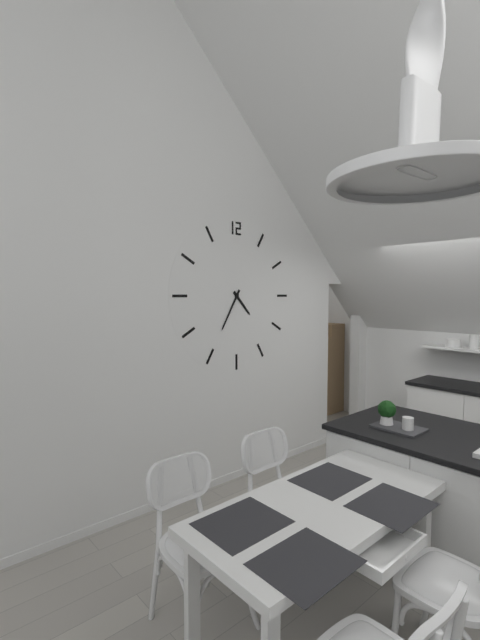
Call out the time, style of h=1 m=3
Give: h=4 m=35
